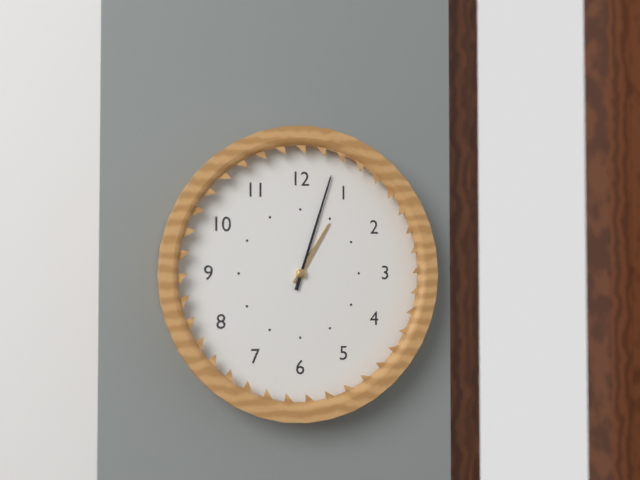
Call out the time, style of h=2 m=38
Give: h=1 m=3
